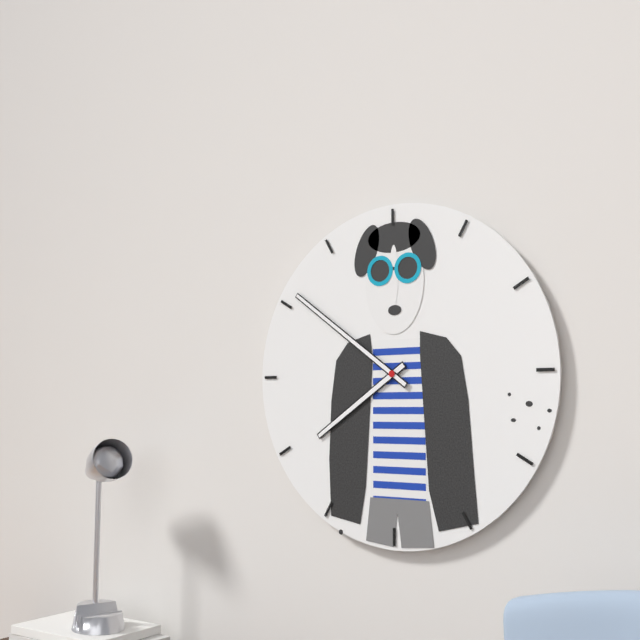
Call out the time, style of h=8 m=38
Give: h=7 m=51
